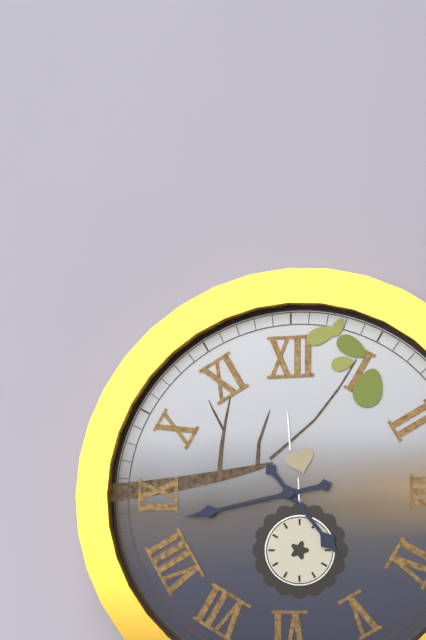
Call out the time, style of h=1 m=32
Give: h=4 m=43
